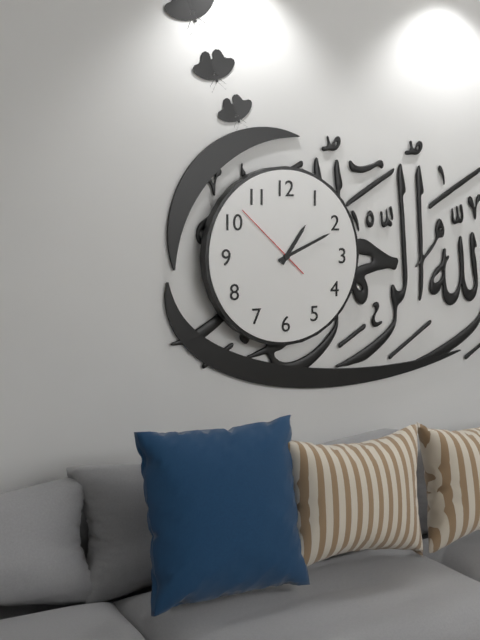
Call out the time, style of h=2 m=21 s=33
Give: h=1 m=11 s=52
